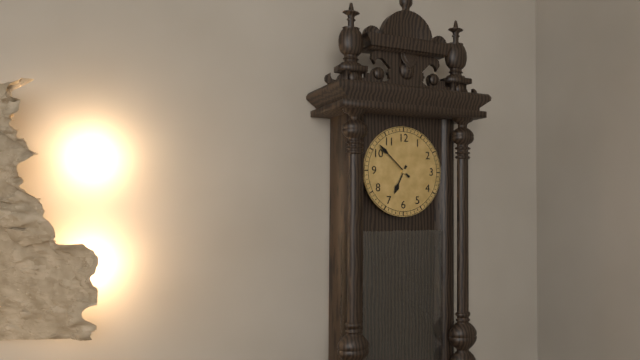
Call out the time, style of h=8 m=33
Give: h=6 m=52
